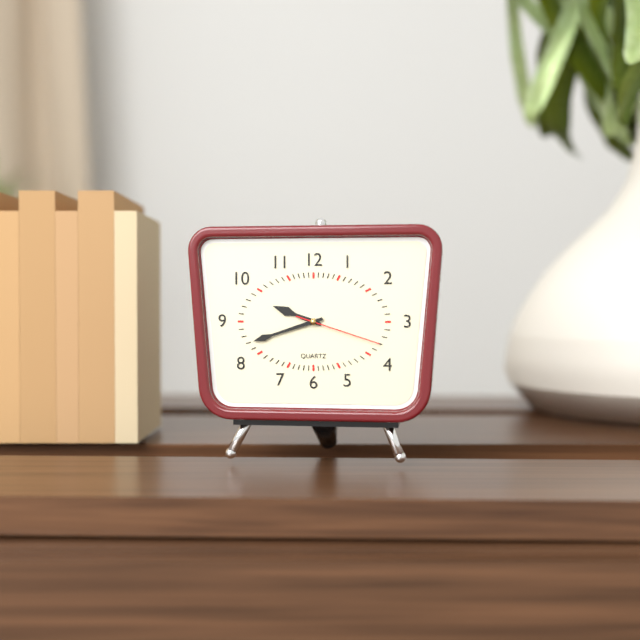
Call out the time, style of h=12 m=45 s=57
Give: h=9 m=42 s=18
